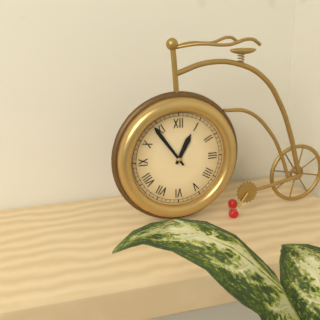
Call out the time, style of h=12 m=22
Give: h=12 m=54
